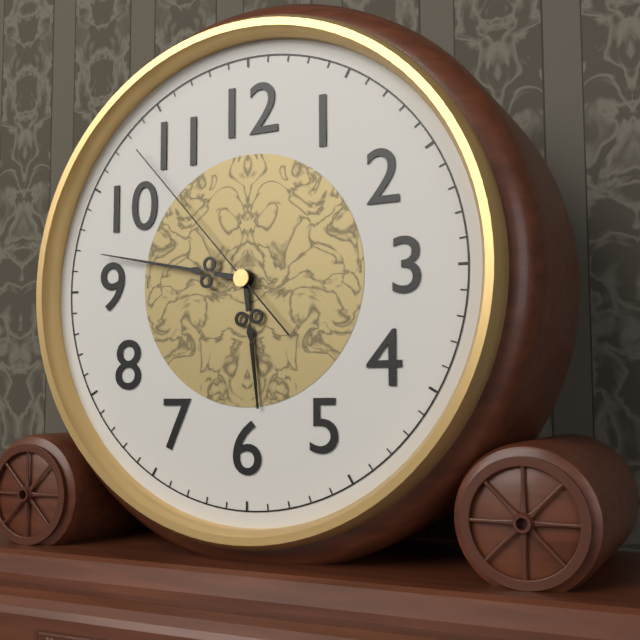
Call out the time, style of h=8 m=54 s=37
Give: h=5 m=47 s=53
